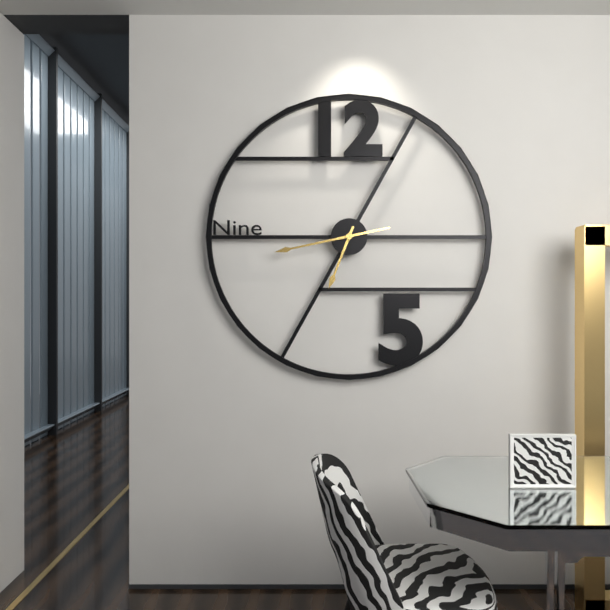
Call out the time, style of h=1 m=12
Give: h=6 m=43
